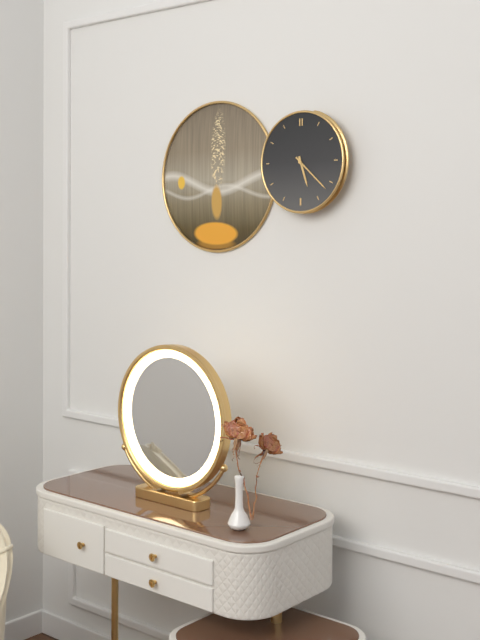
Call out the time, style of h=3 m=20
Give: h=5 m=22
